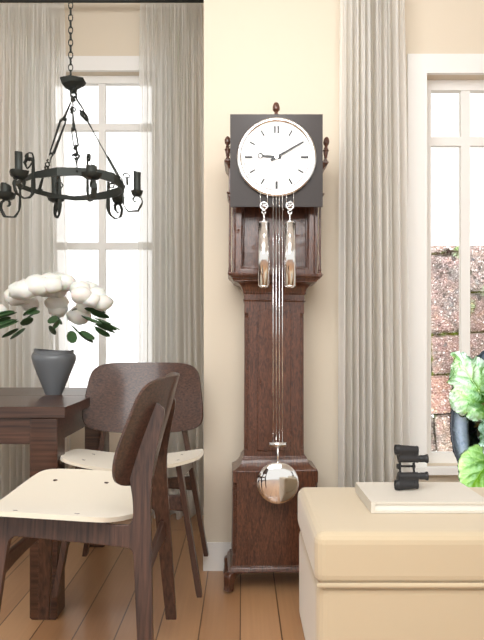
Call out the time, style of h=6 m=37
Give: h=9 m=10
